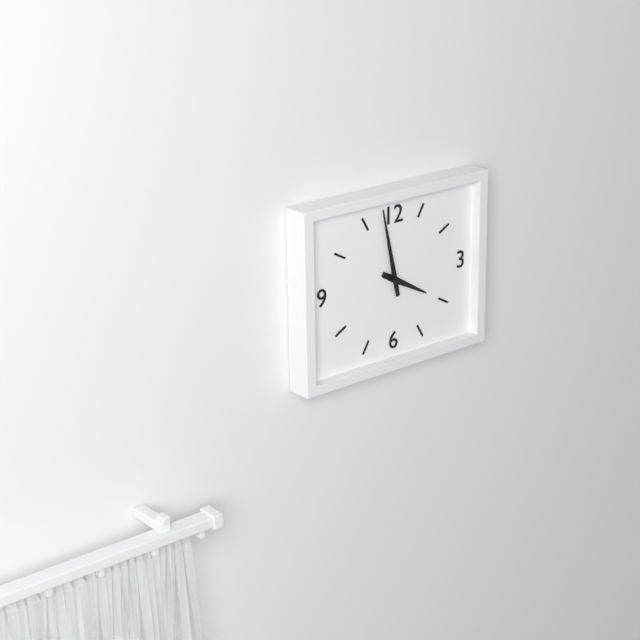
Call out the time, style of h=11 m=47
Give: h=3 m=58
